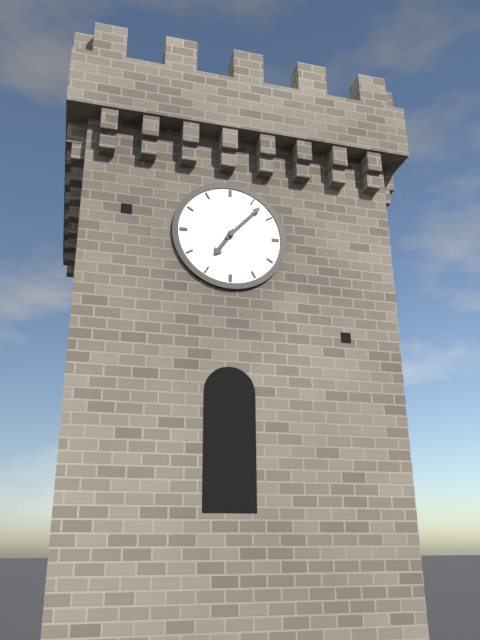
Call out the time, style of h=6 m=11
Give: h=7 m=7
